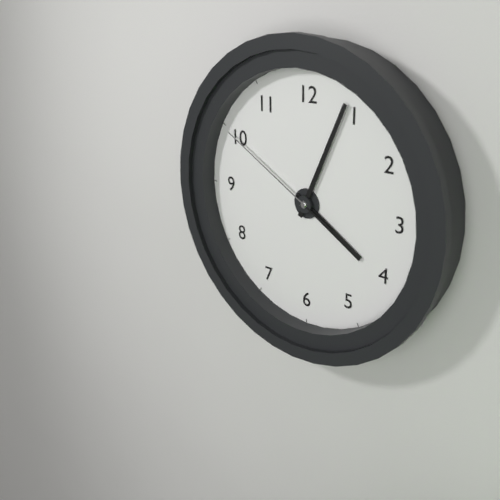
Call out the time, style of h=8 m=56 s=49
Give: h=4 m=4 s=50
